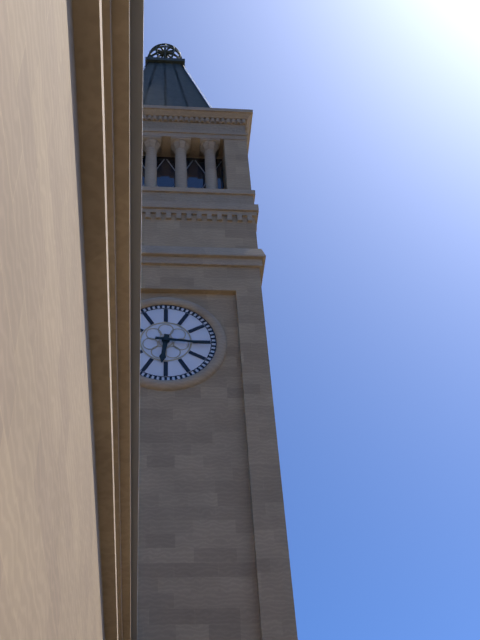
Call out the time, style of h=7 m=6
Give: h=6 m=16
